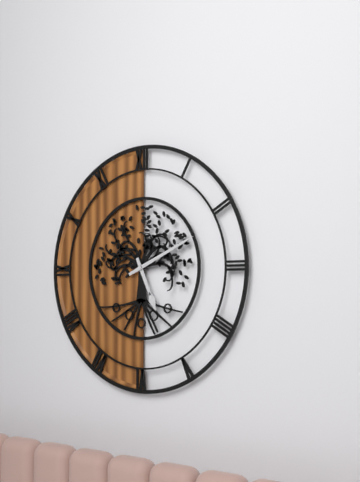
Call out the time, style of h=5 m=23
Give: h=5 m=11
